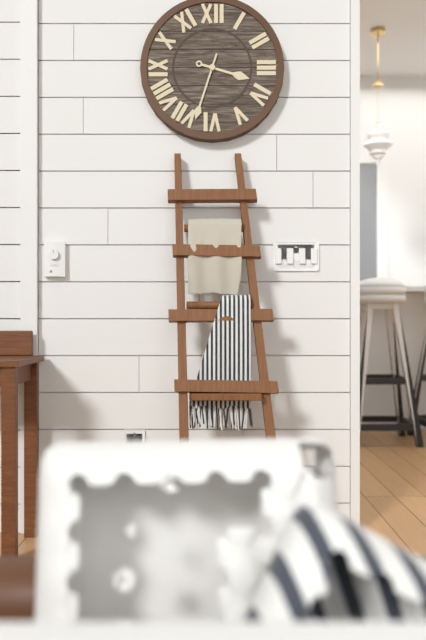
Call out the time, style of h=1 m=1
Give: h=3 m=33
